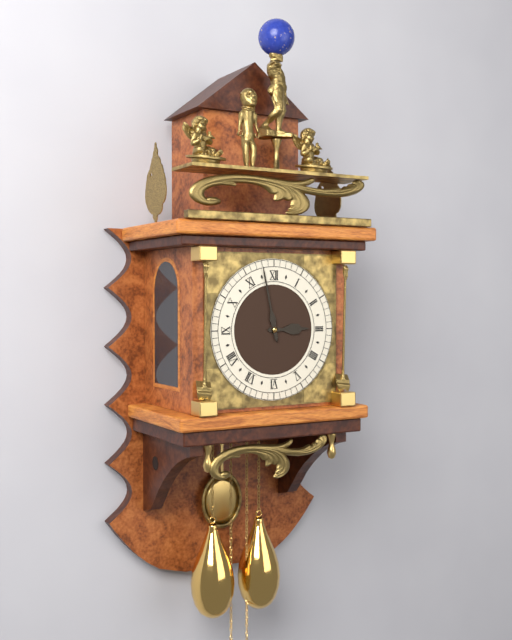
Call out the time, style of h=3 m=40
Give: h=2 m=58
